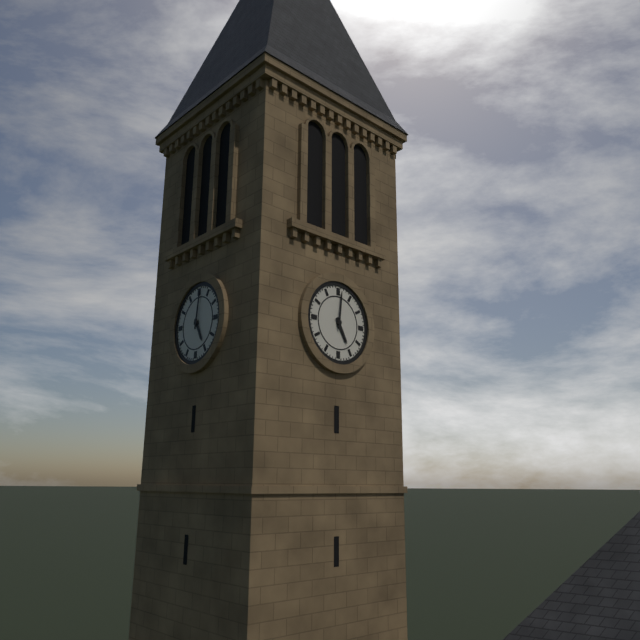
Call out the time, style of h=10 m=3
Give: h=5 m=1
